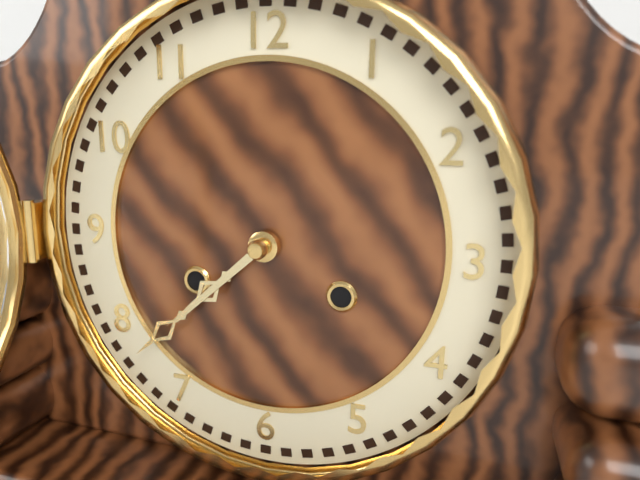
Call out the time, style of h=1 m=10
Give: h=7 m=38
